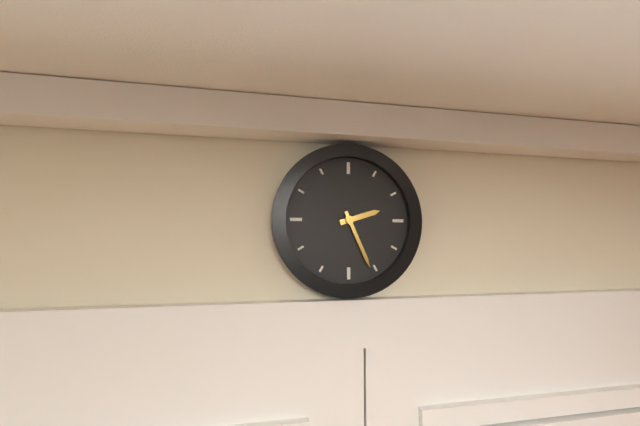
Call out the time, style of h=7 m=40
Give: h=2 m=26
